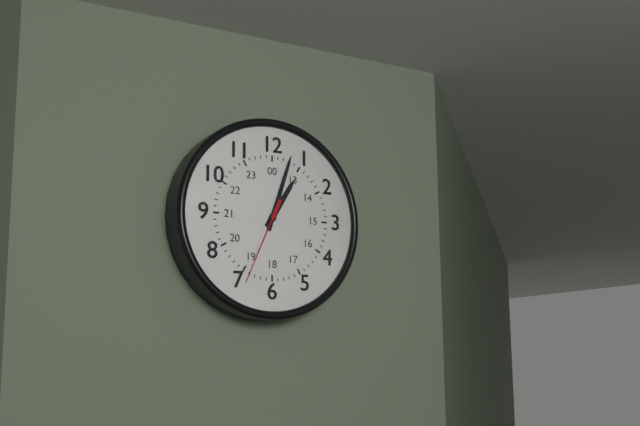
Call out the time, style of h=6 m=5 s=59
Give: h=1 m=3 s=34
